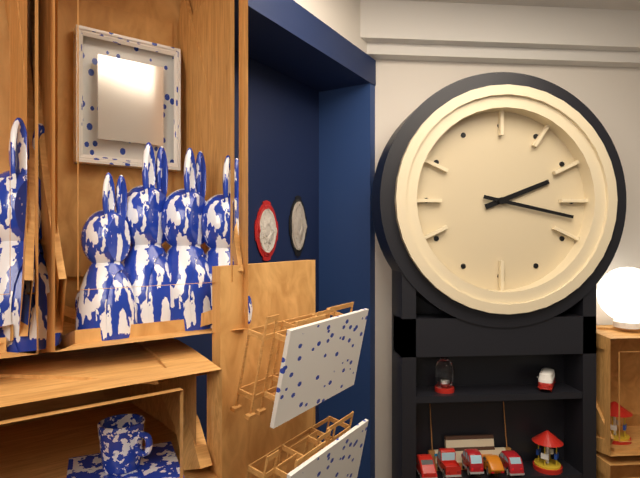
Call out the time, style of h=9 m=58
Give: h=2 m=17
